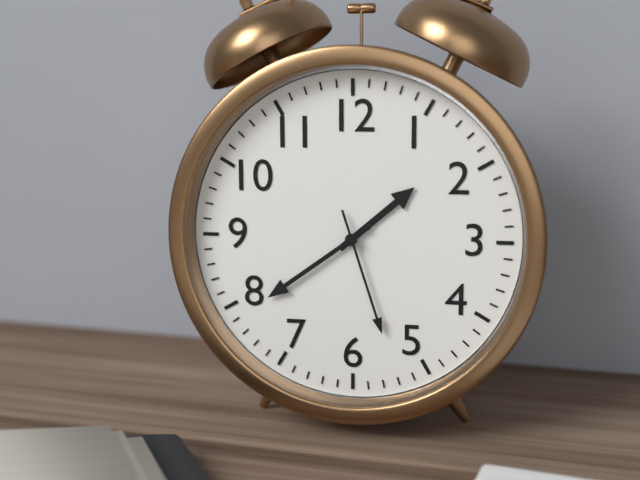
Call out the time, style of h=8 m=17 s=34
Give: h=1 m=39 s=27
